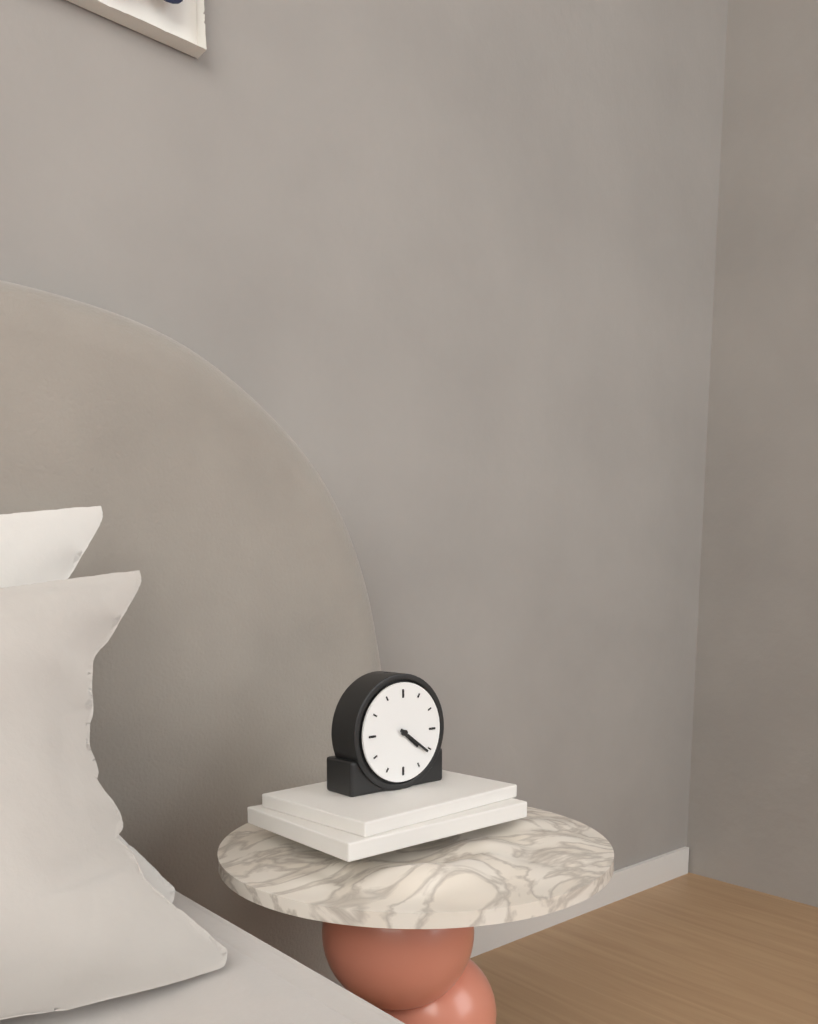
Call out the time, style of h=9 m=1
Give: h=4 m=21
